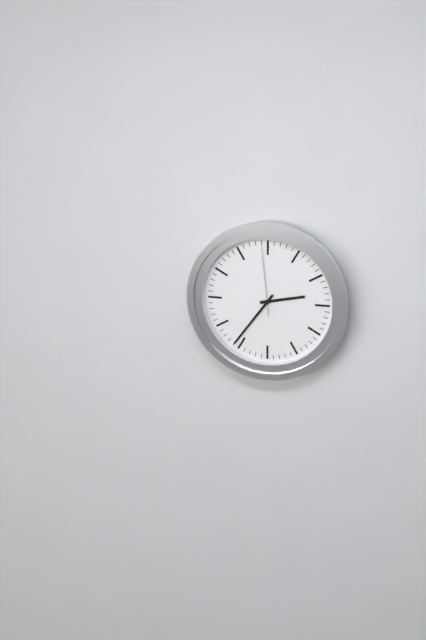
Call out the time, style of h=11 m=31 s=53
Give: h=2 m=36 s=59
